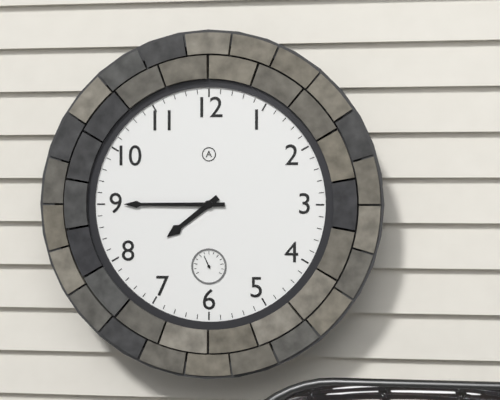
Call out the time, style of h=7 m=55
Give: h=7 m=45
